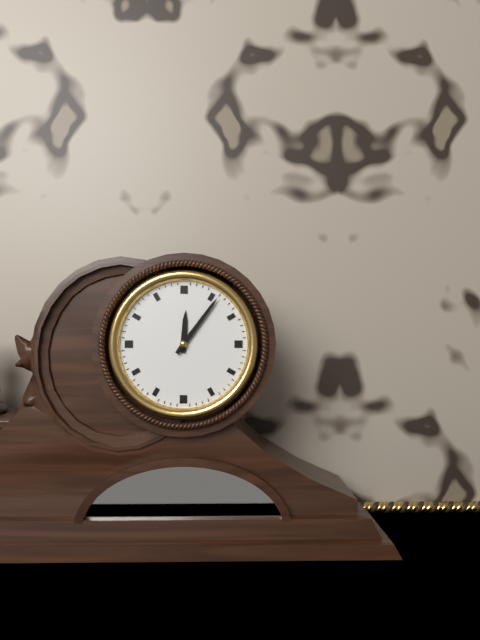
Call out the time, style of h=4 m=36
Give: h=12 m=6
